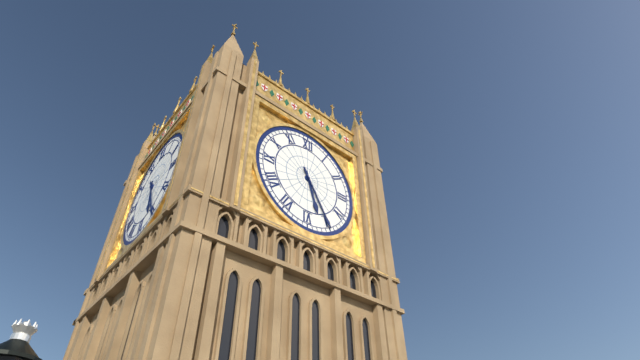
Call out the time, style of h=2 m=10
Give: h=5 m=25
